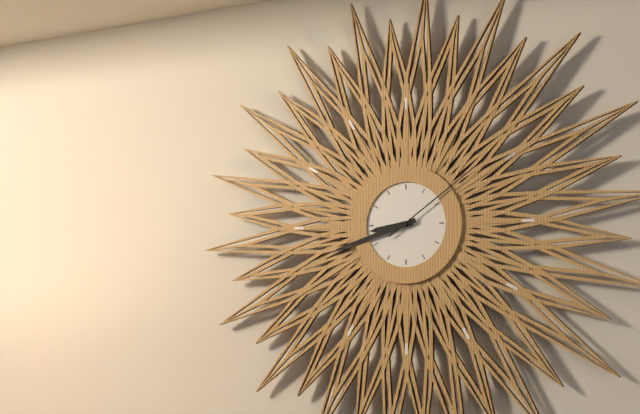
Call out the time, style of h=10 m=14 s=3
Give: h=8 m=42 s=9
